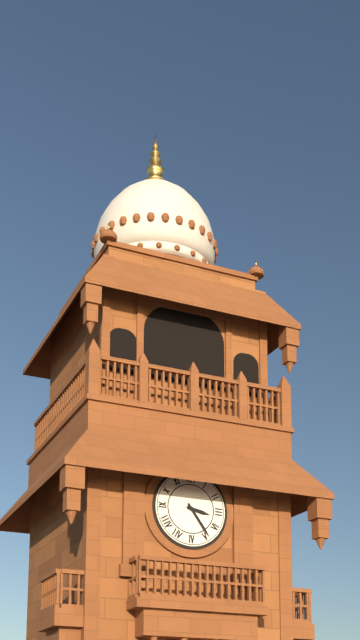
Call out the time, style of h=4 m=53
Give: h=3 m=24
